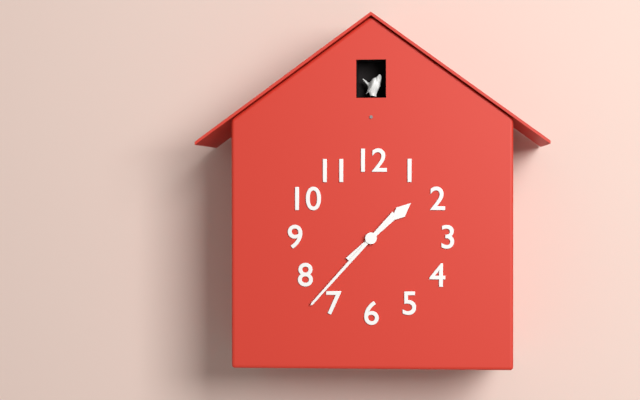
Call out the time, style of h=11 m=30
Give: h=1 m=37
